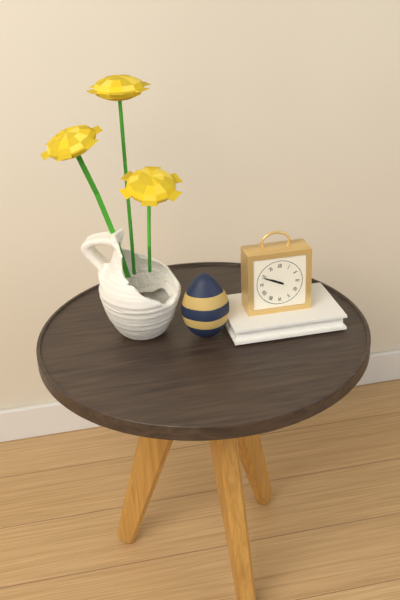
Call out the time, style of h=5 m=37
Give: h=9 m=49
